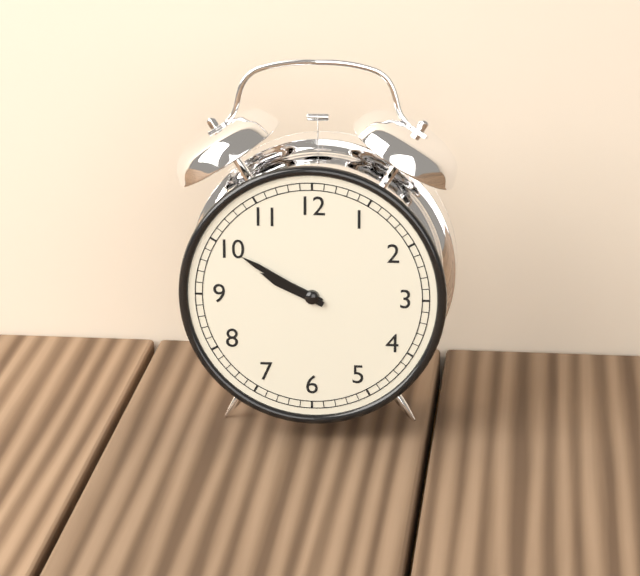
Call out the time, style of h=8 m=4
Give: h=9 m=50
